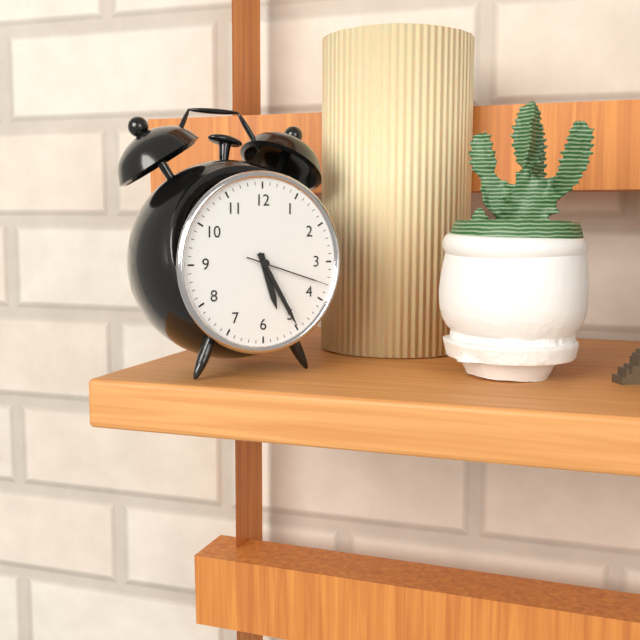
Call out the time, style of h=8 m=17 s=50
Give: h=5 m=25 s=18
